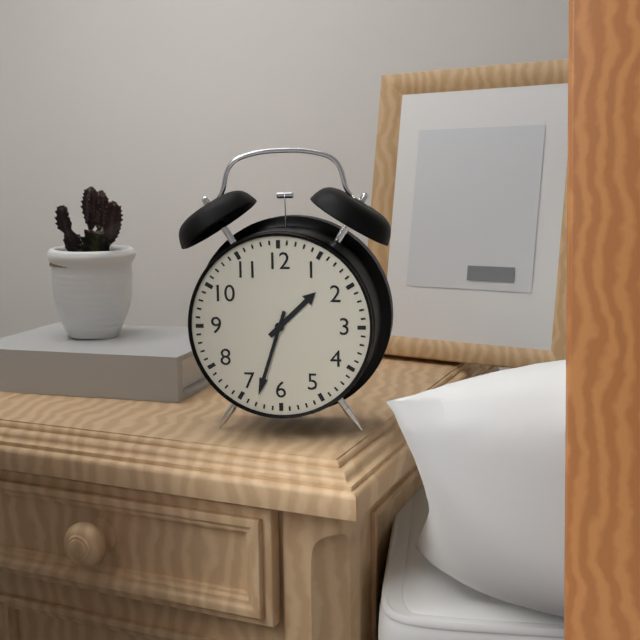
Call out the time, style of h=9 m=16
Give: h=1 m=33
